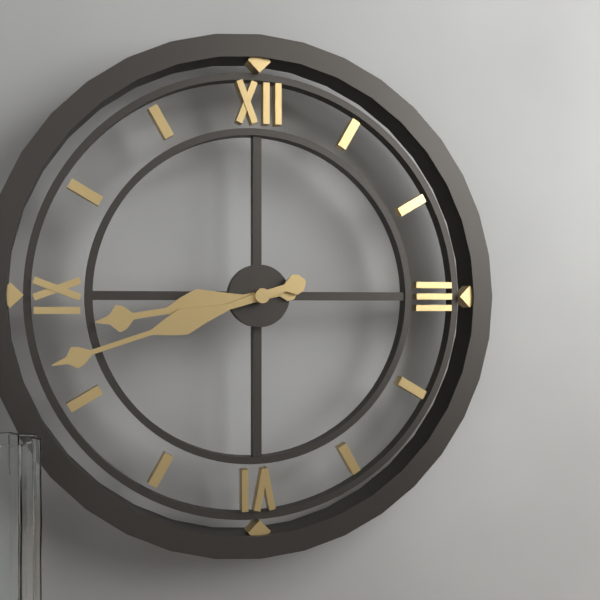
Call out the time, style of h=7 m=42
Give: h=8 m=42
